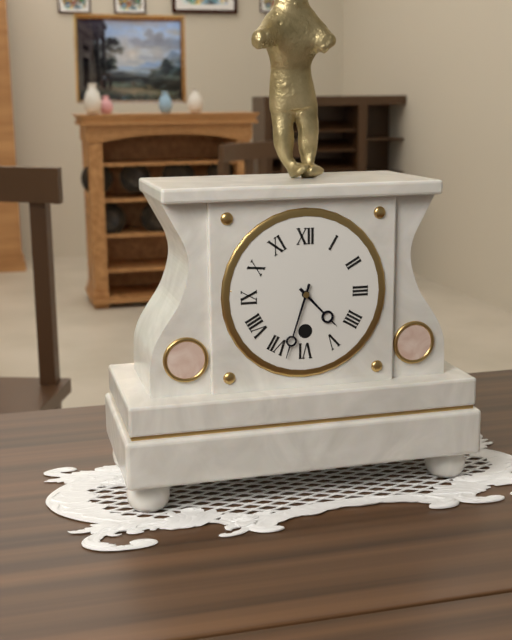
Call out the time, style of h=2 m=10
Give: h=4 m=33
